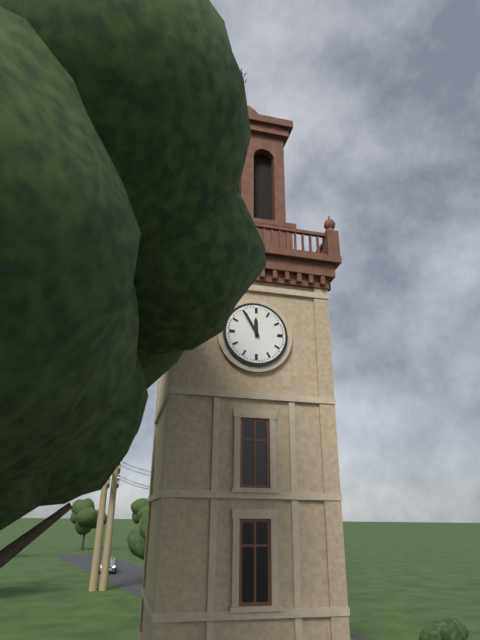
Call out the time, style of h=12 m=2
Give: h=11 m=55
